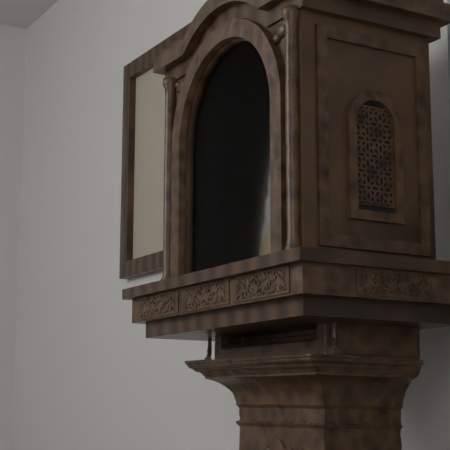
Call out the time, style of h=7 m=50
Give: h=11 m=36
